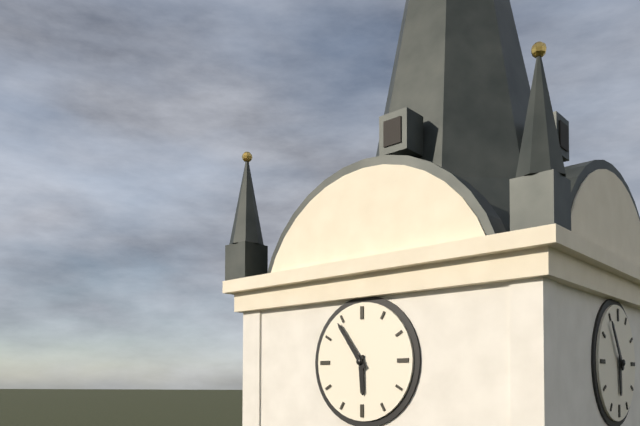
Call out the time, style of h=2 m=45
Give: h=5 m=54
